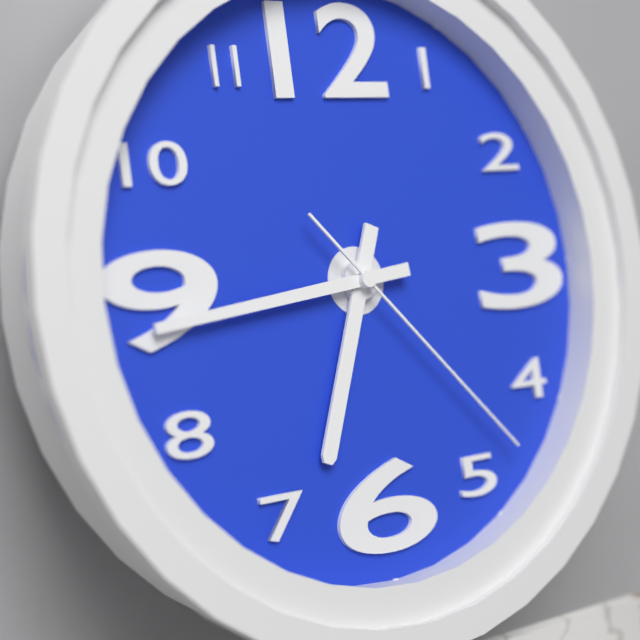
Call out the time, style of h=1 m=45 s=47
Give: h=6 m=44 s=23
